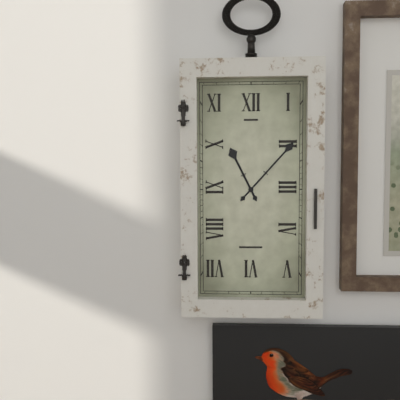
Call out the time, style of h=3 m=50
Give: h=11 m=7
